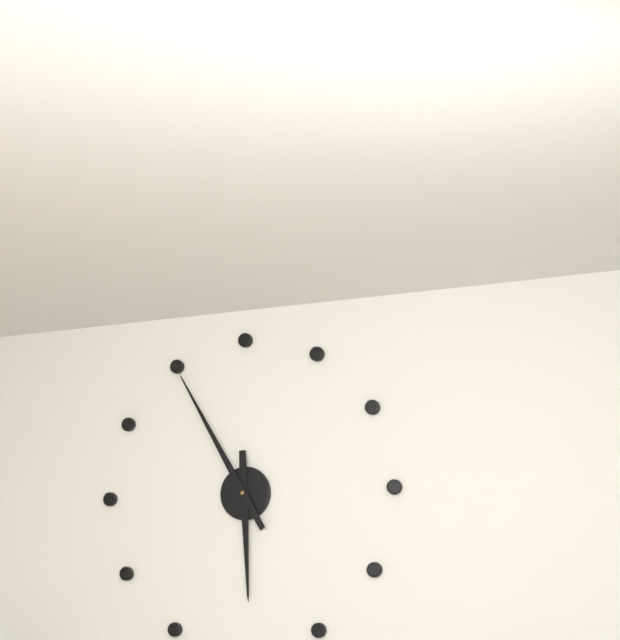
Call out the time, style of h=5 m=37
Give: h=5 m=55
